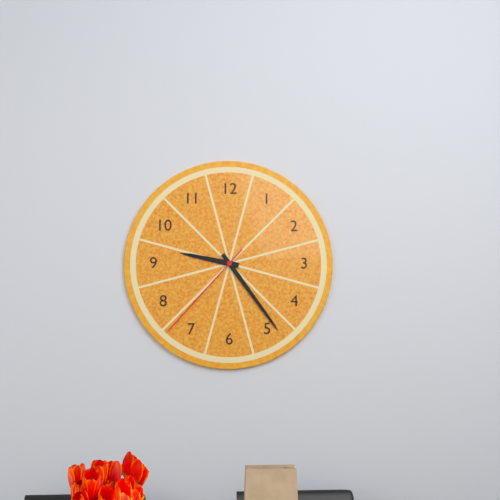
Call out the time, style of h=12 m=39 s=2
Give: h=9 m=24 s=37
